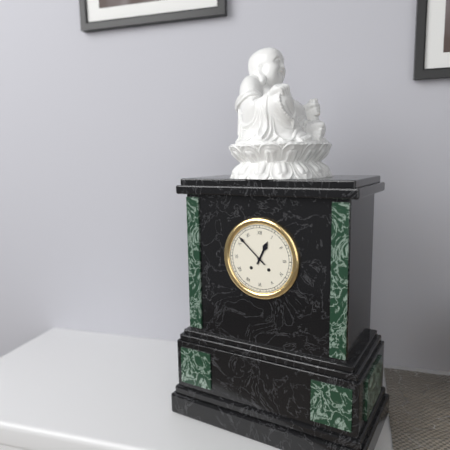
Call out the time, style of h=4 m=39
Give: h=12 m=52
